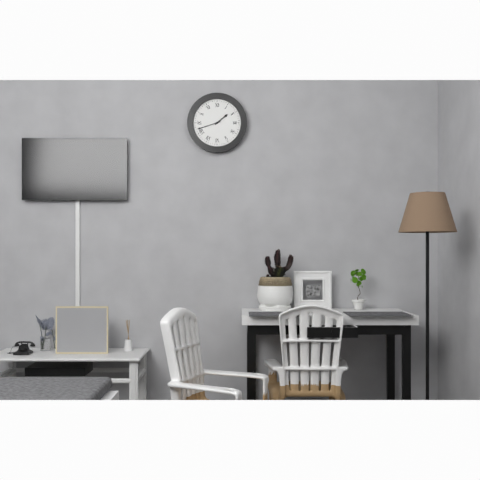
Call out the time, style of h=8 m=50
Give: h=1 m=42
